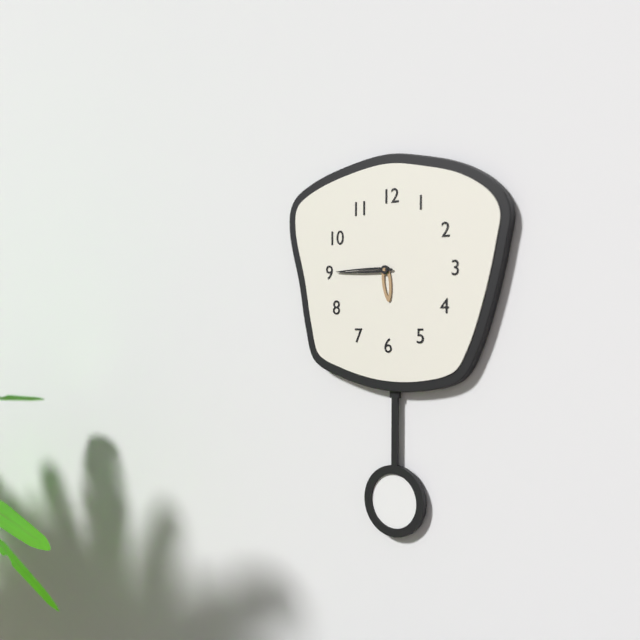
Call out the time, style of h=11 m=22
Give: h=5 m=45
